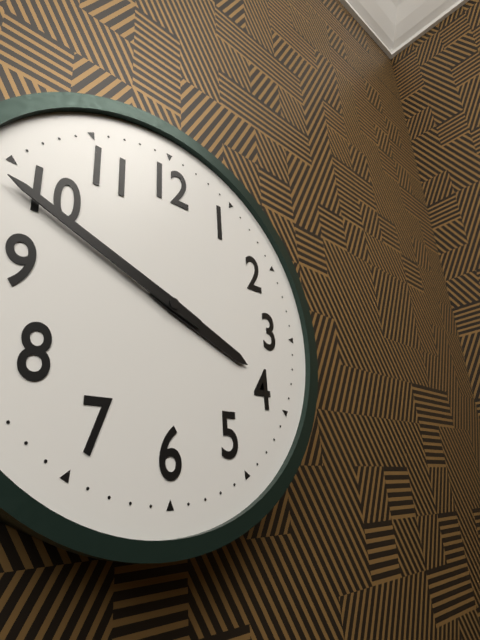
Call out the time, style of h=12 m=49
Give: h=3 m=49
